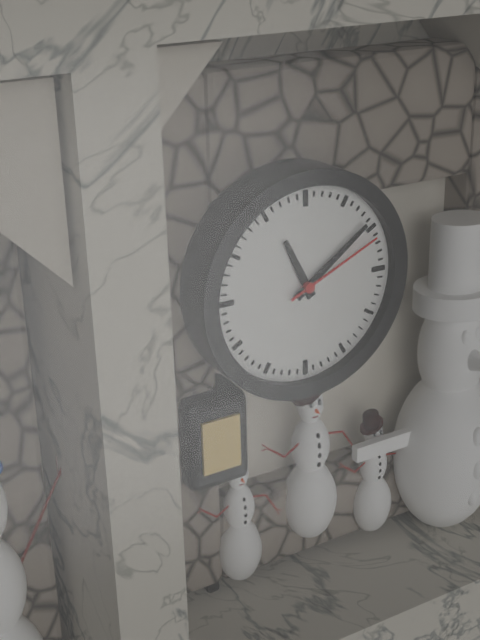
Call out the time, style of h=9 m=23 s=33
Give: h=11 m=9 s=11
